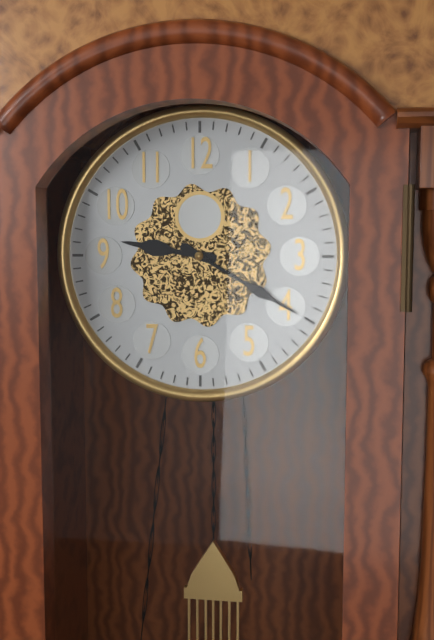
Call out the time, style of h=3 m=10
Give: h=9 m=20
